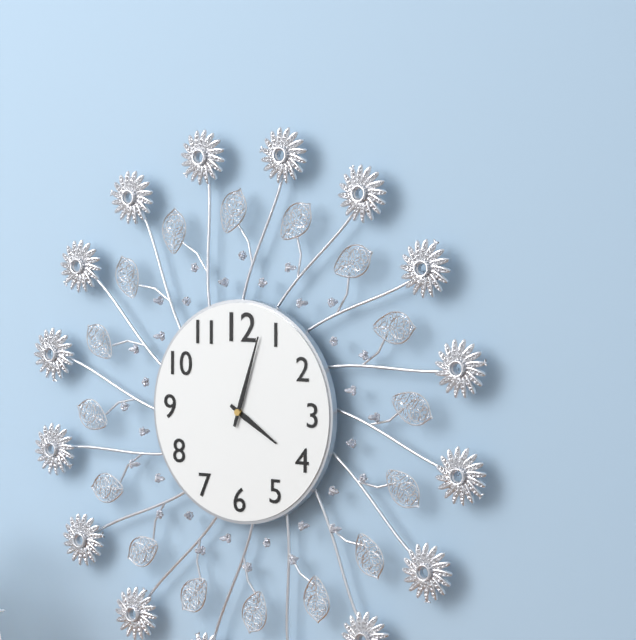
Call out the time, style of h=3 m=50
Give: h=4 m=3
